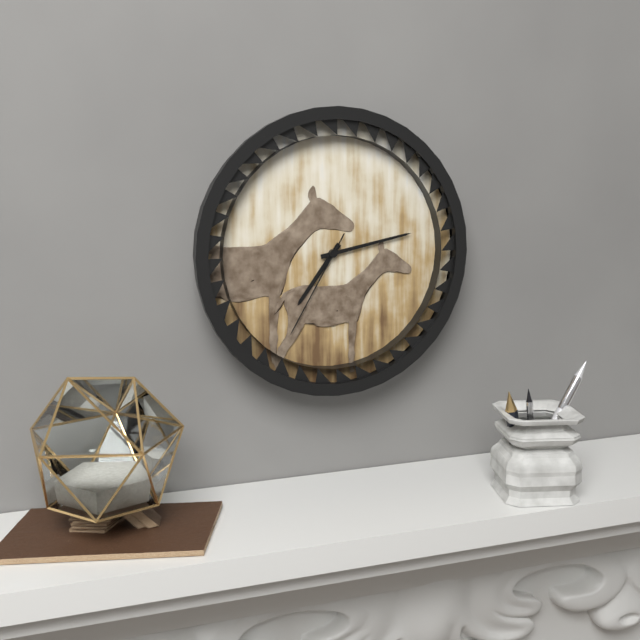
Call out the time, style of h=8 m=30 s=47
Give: h=7 m=13 s=35
